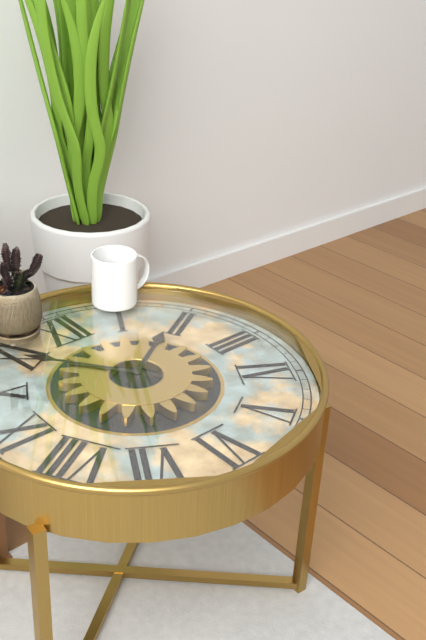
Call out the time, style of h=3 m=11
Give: h=1 m=54
